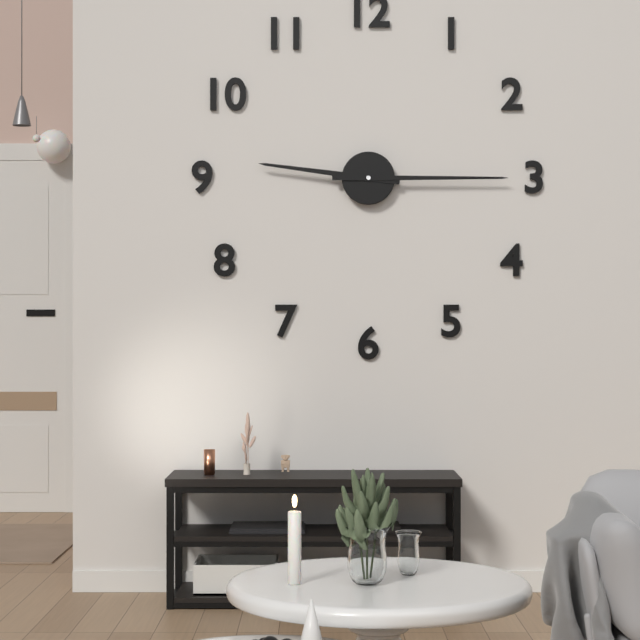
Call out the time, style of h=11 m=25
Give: h=9 m=15
